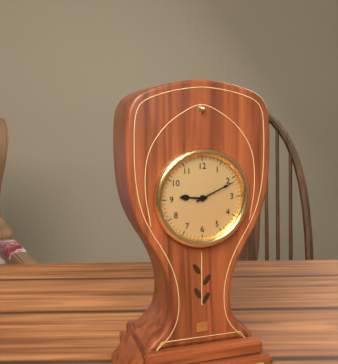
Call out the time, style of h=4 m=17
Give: h=9 m=11
